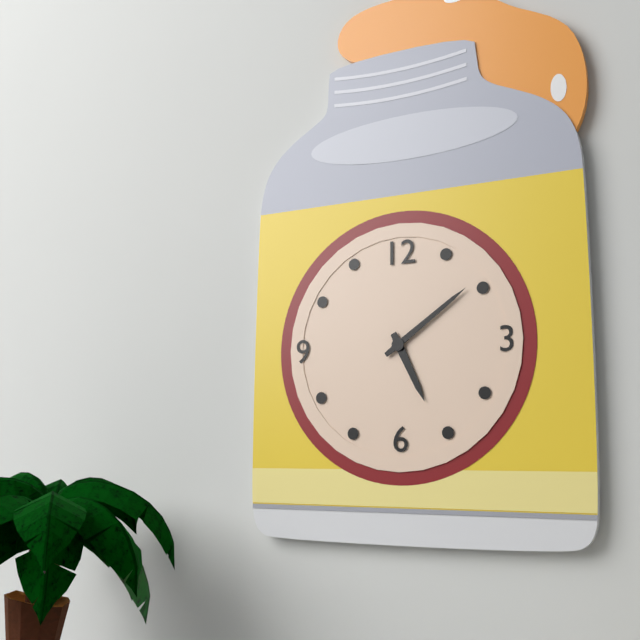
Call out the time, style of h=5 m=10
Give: h=5 m=9
